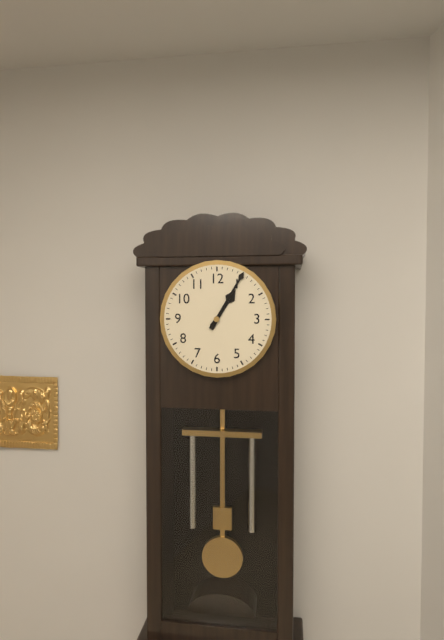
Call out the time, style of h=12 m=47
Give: h=1 m=5
